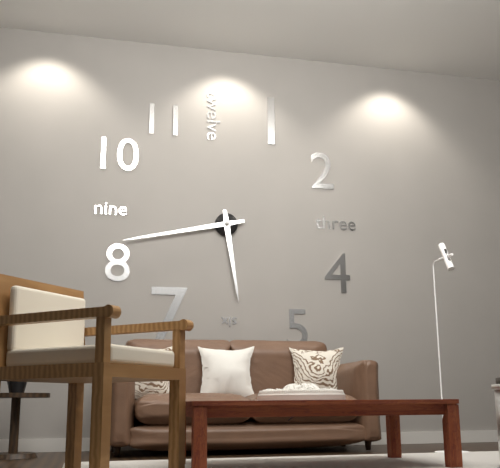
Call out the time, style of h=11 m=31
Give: h=5 m=43
